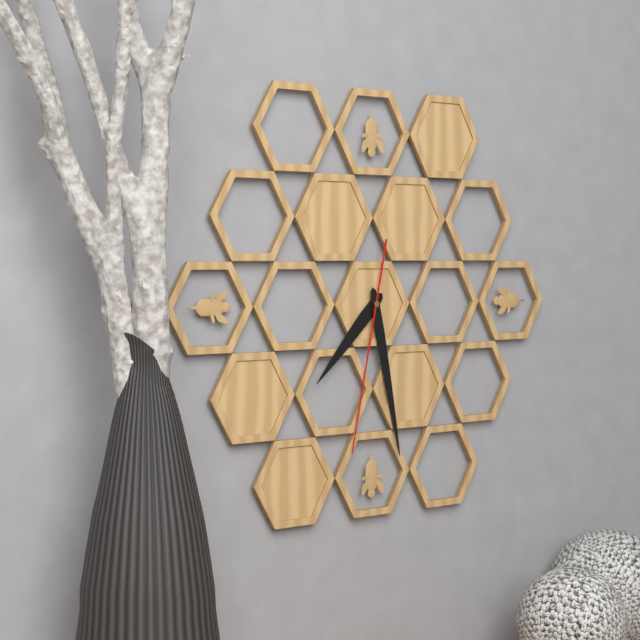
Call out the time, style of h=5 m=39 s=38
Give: h=7 m=28 s=32
